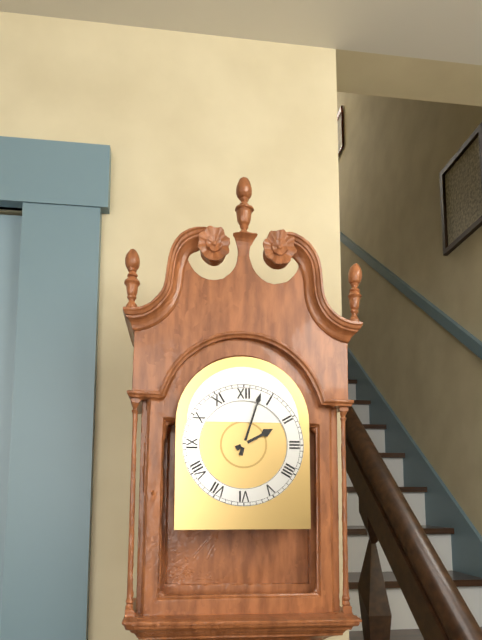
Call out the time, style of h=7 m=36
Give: h=2 m=3
